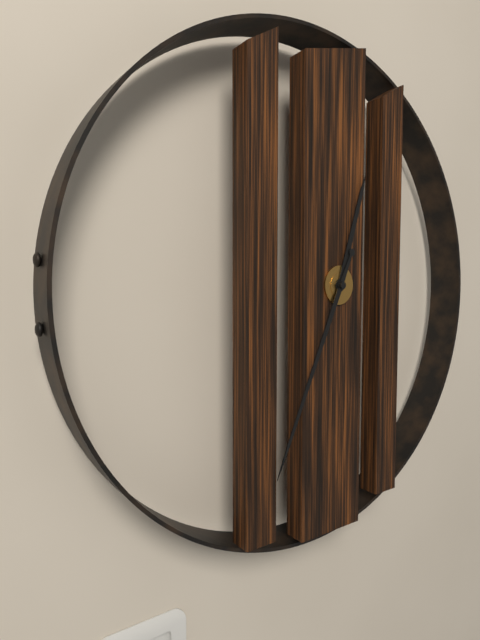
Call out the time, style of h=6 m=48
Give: h=12 m=34
